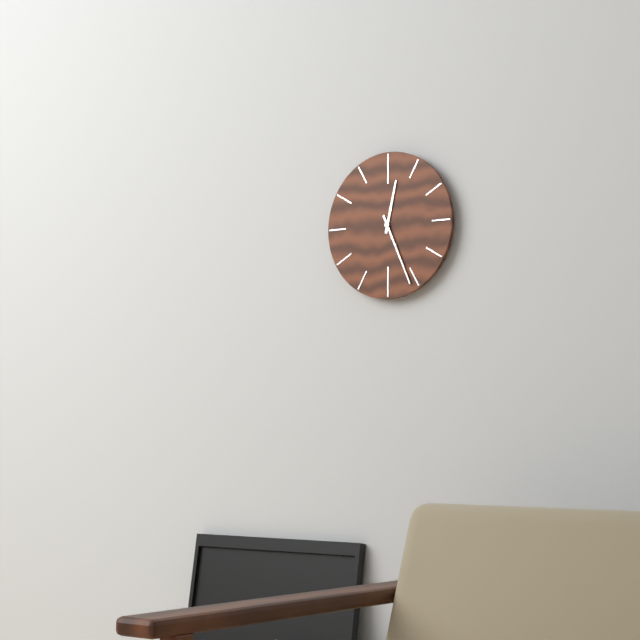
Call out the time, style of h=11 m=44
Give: h=12 m=26
